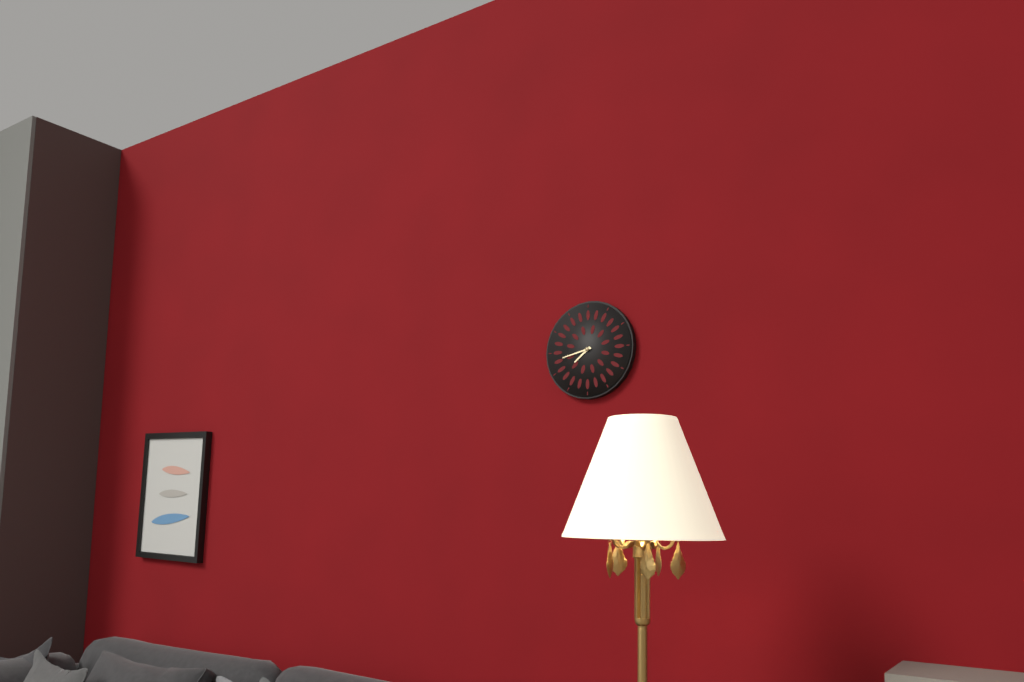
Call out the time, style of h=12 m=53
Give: h=7 m=43
